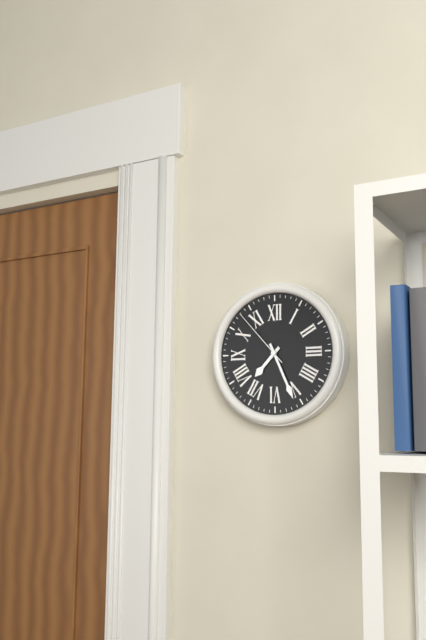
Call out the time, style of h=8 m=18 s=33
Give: h=7 m=26 s=53
